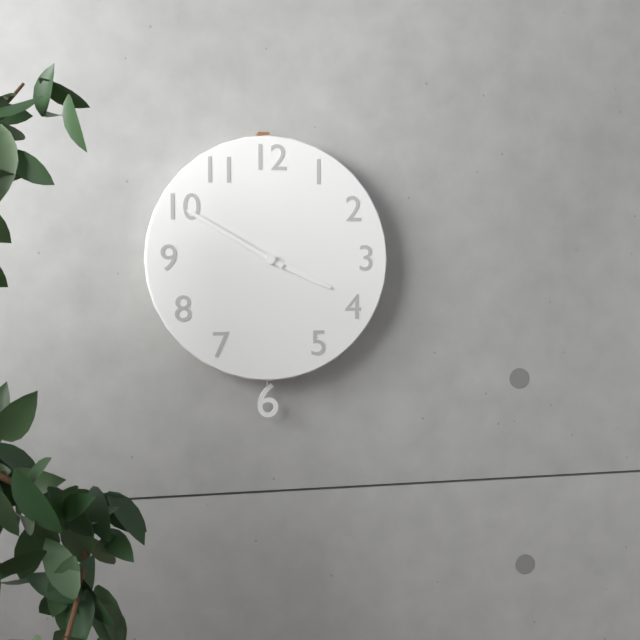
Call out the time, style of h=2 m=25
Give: h=3 m=50
